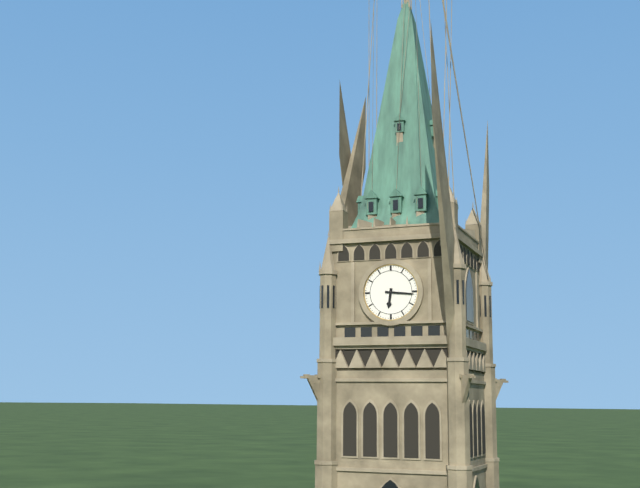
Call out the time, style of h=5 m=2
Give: h=6 m=16
